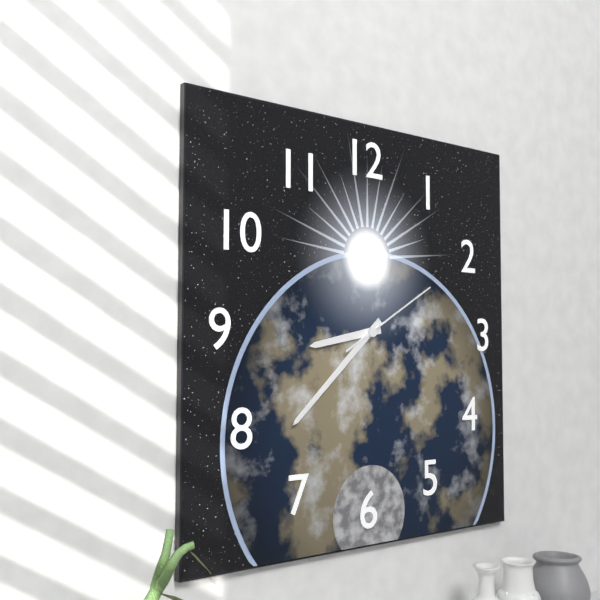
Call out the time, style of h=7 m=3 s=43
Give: h=8 m=38 s=10
